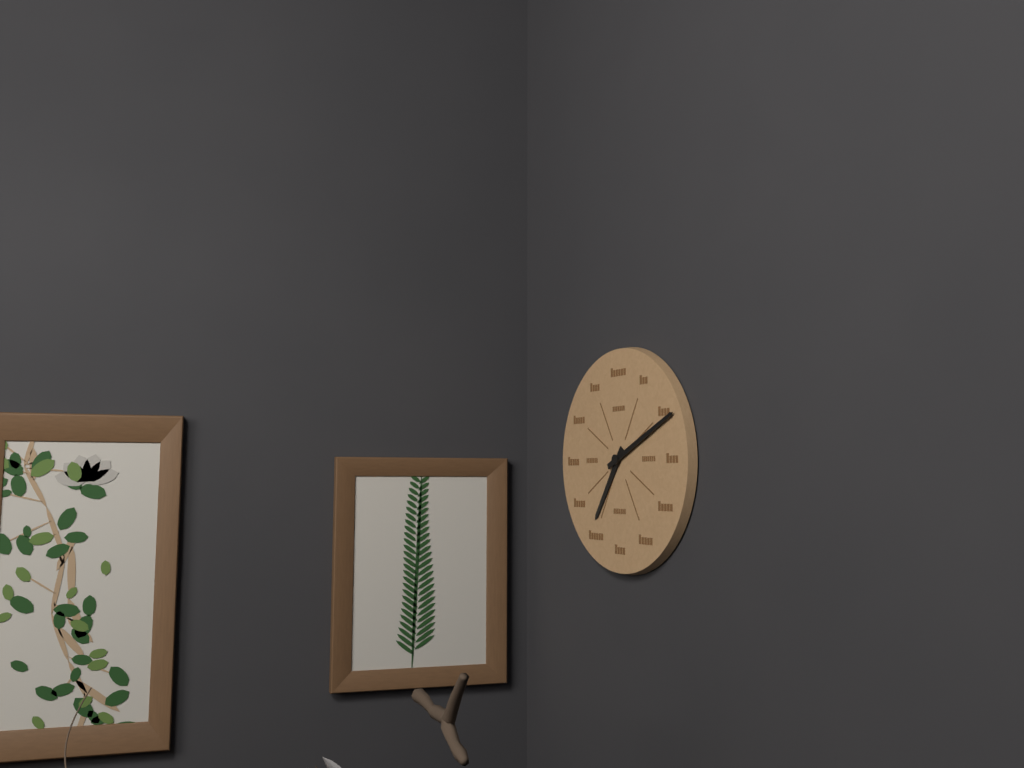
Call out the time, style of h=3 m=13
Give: h=7 m=11
